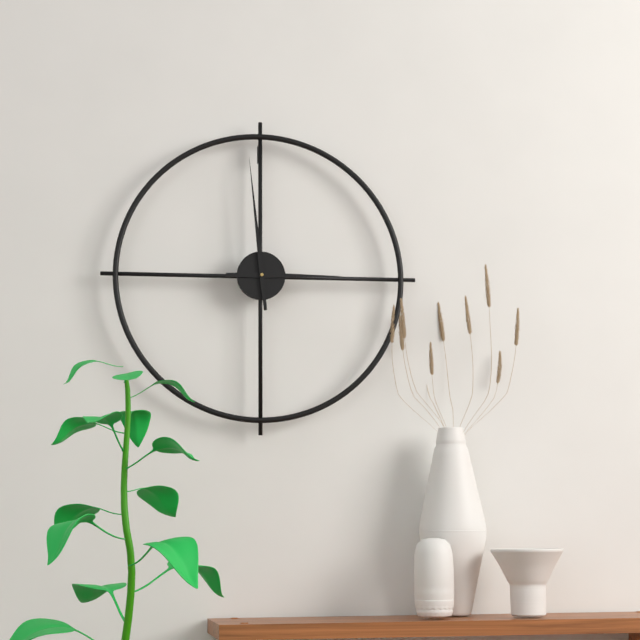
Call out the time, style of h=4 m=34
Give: h=2 m=59
